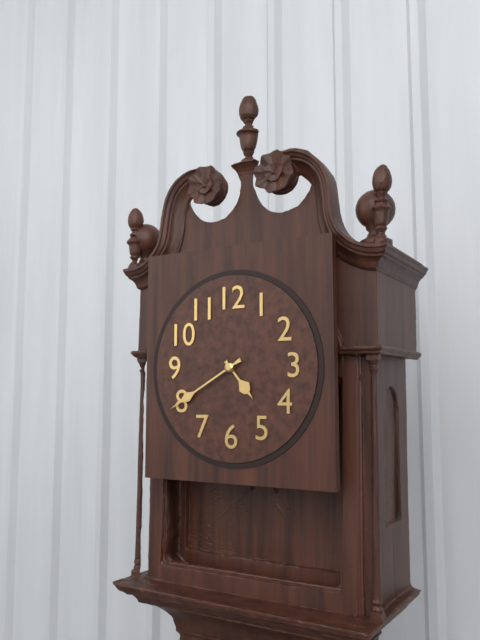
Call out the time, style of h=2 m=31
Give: h=4 m=40
